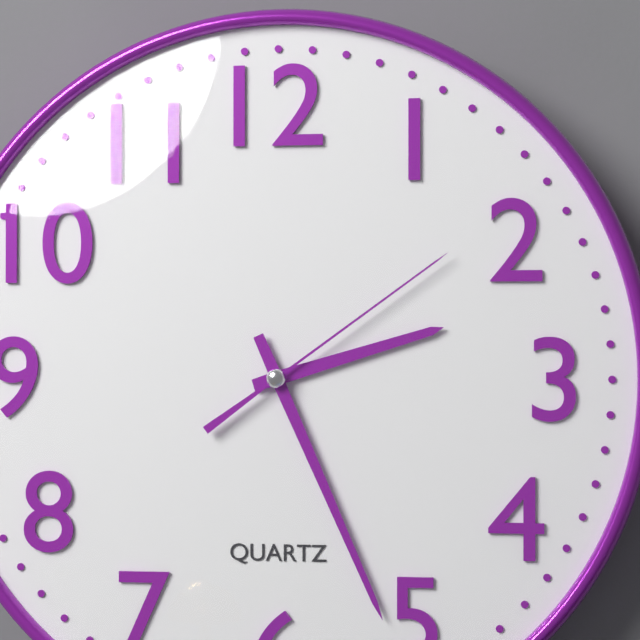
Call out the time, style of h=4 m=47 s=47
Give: h=2 m=26 s=9
